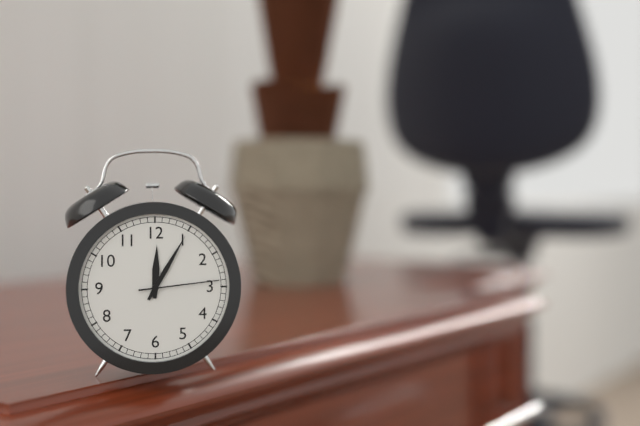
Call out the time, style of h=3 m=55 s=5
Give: h=12 m=5 s=14
